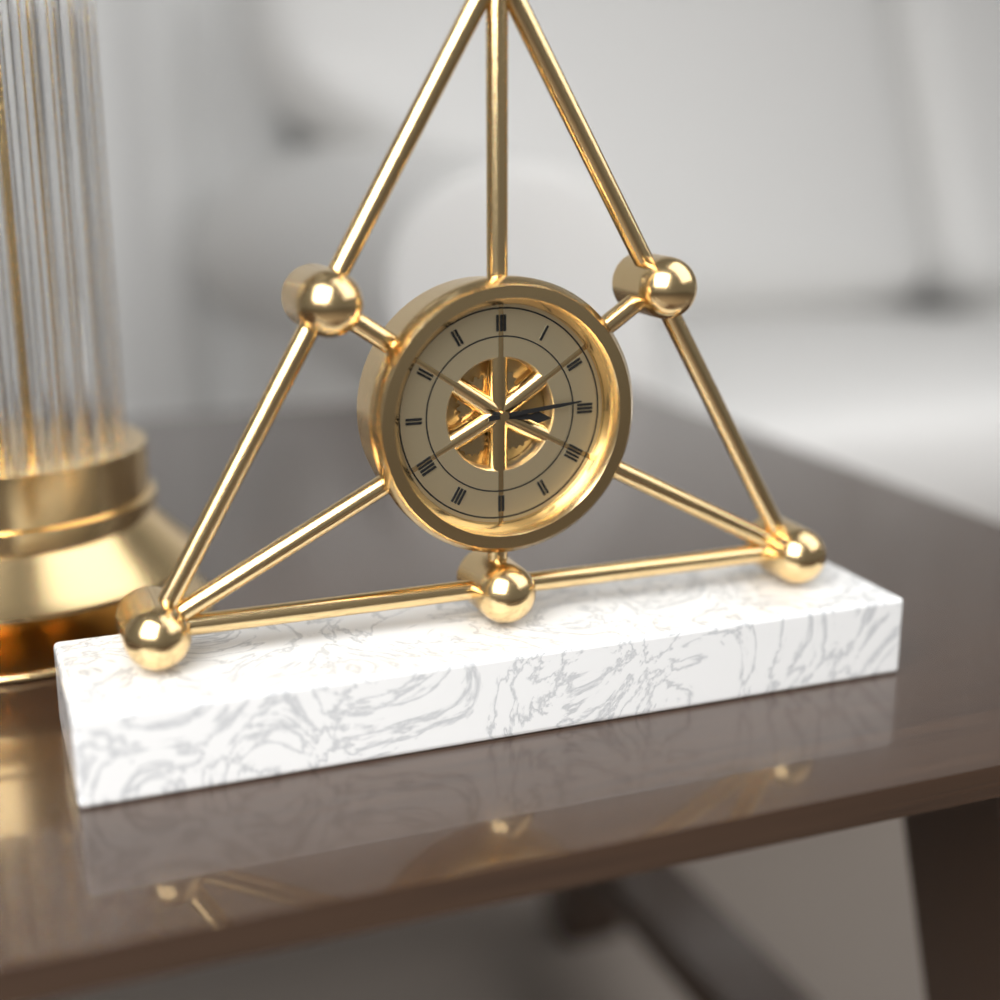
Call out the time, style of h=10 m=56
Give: h=3 m=14
